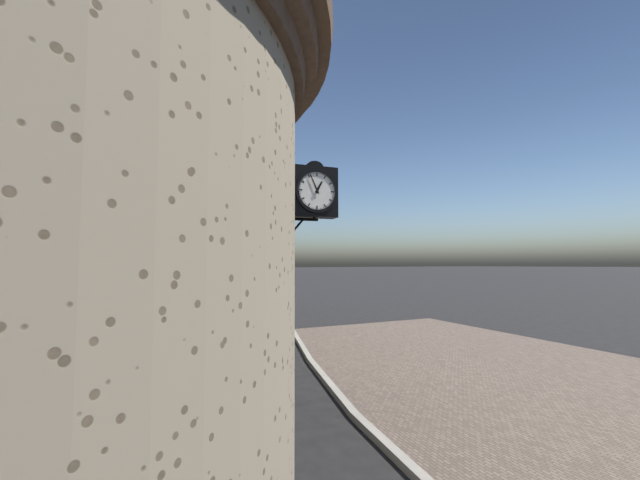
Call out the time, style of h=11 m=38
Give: h=12 m=56
